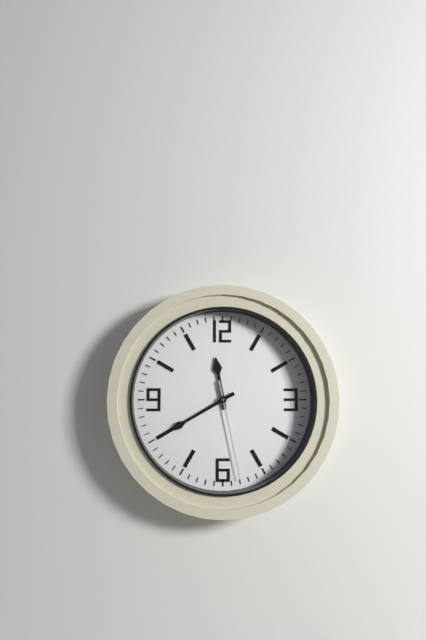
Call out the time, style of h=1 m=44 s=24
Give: h=11 m=40 s=28
